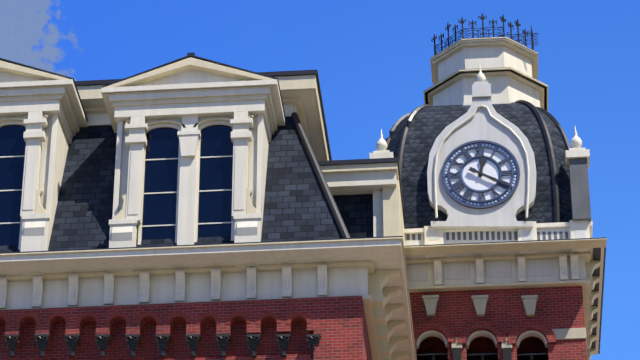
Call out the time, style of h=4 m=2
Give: h=12 m=20
